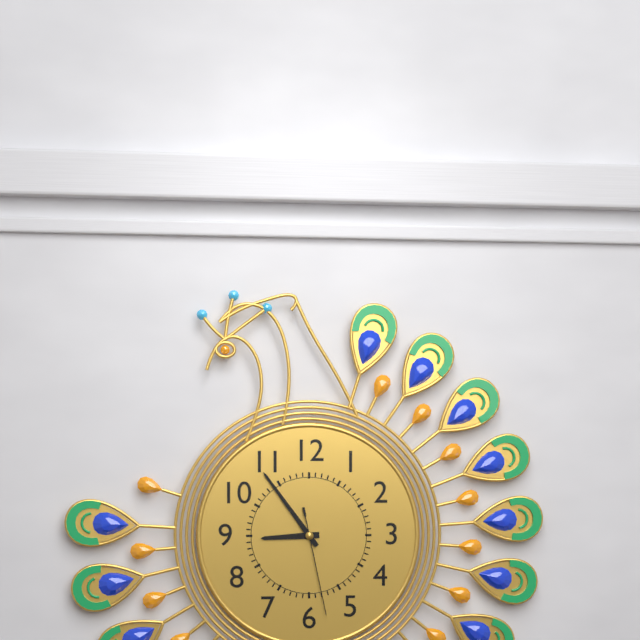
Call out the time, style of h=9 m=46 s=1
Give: h=8 m=54 s=28
